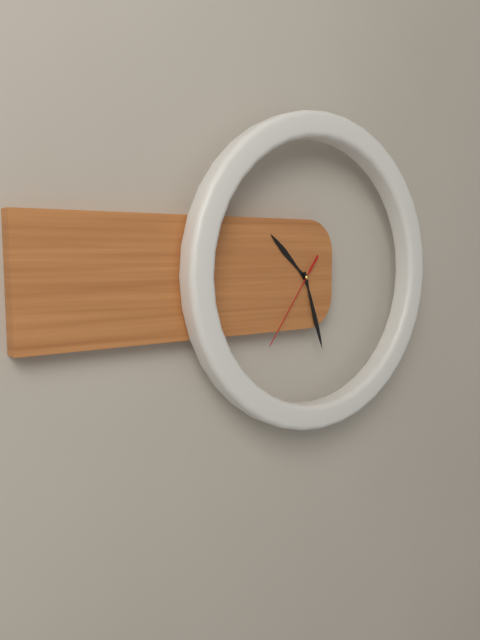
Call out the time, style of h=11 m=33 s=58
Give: h=10 m=27 s=36
